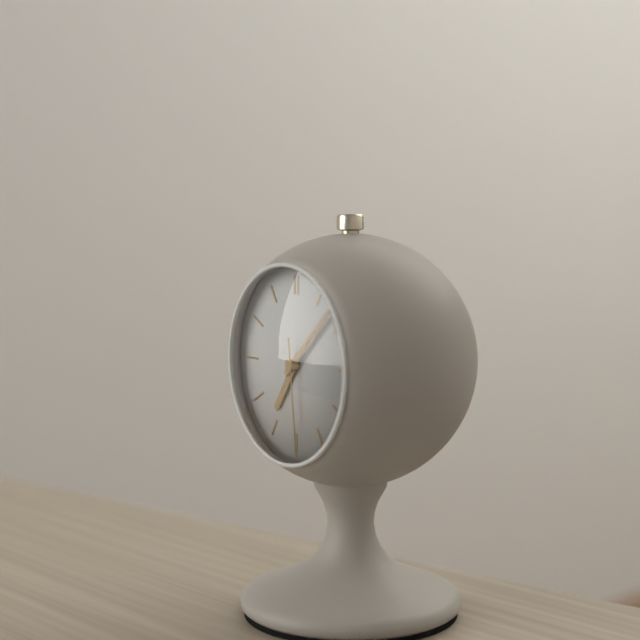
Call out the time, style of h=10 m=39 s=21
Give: h=7 m=8 s=29
